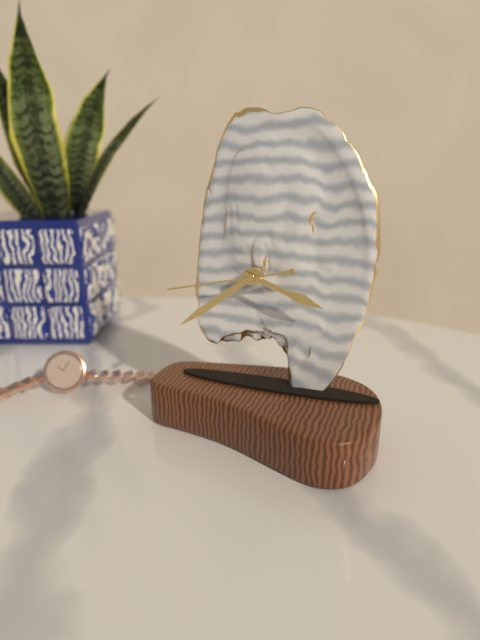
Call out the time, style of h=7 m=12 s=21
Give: h=3 m=39 s=43
